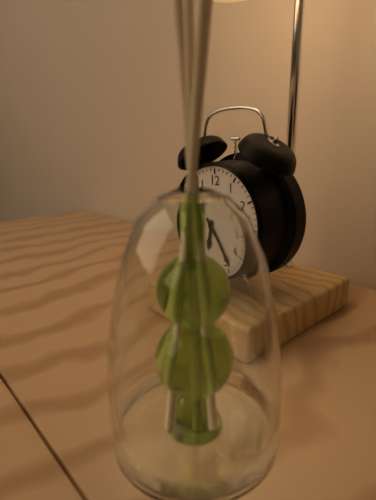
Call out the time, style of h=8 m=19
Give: h=6 m=24
